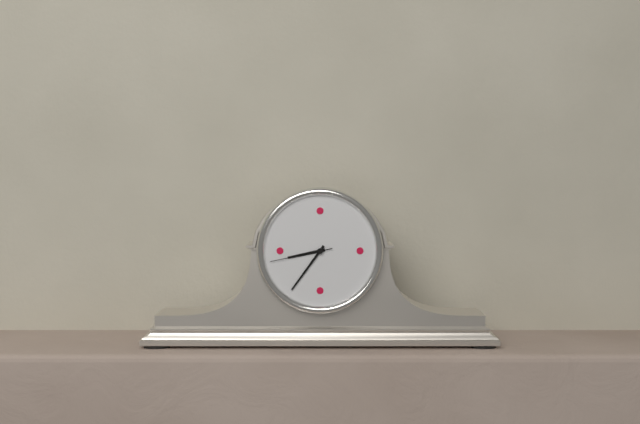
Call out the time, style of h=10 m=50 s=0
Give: h=8 m=36 s=43
